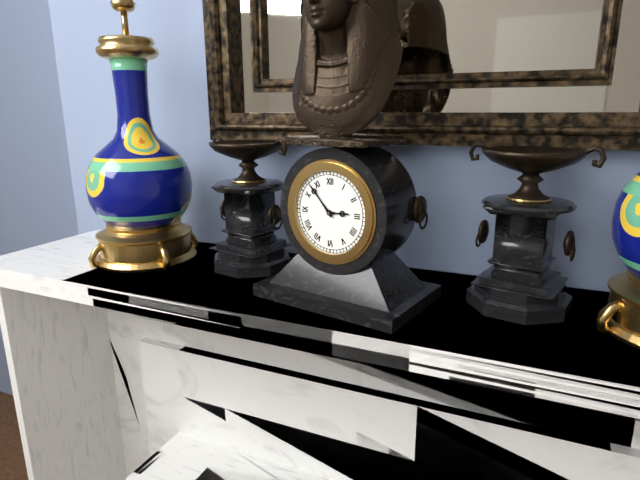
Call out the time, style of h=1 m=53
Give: h=2 m=53
